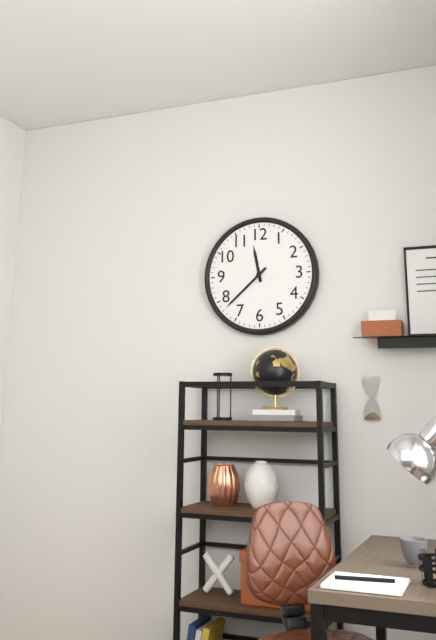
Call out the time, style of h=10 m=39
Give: h=11 m=38
